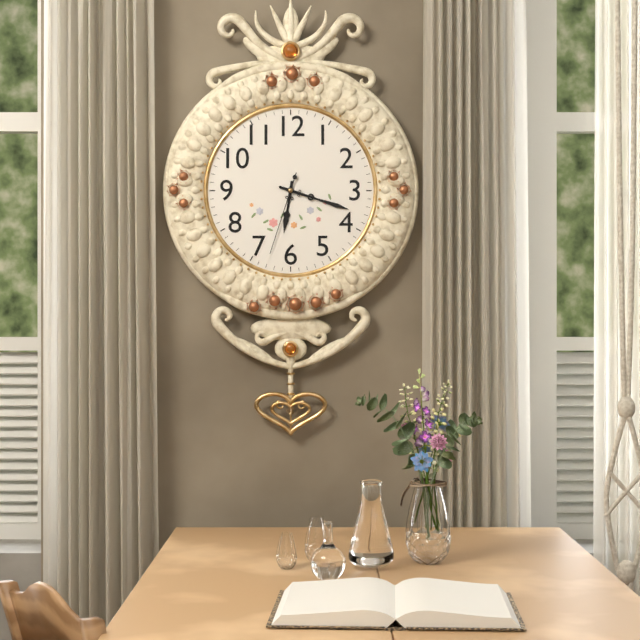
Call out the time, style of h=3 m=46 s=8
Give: h=6 m=18 s=33
